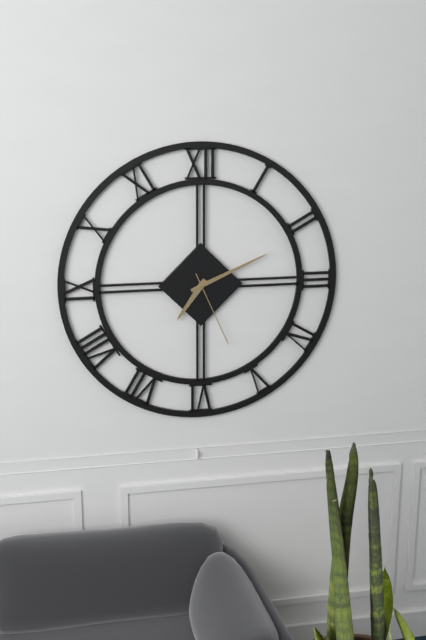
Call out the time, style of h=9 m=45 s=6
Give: h=7 m=11 s=26
